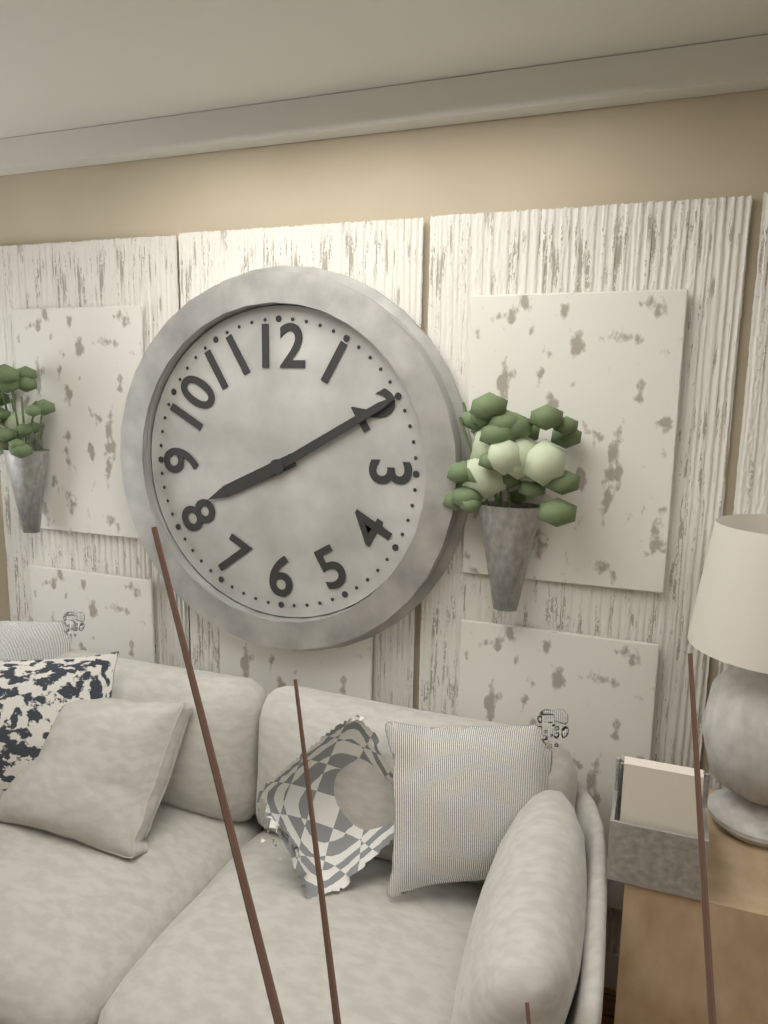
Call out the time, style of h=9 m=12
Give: h=8 m=10
